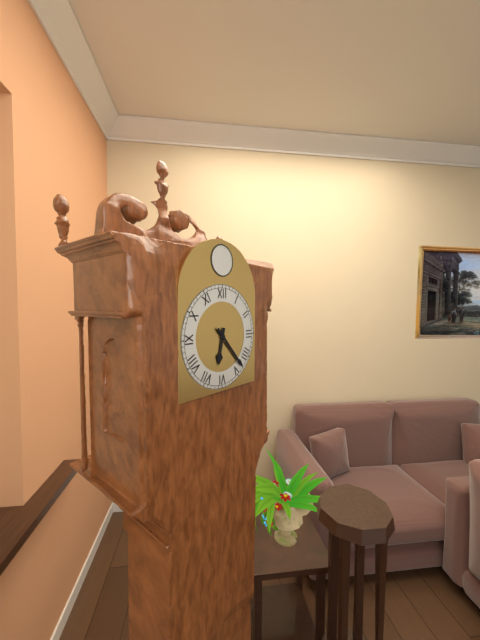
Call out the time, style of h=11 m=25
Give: h=6 m=23
